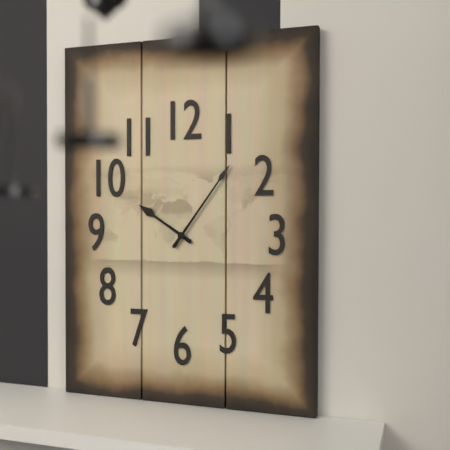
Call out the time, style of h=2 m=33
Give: h=10 m=6
